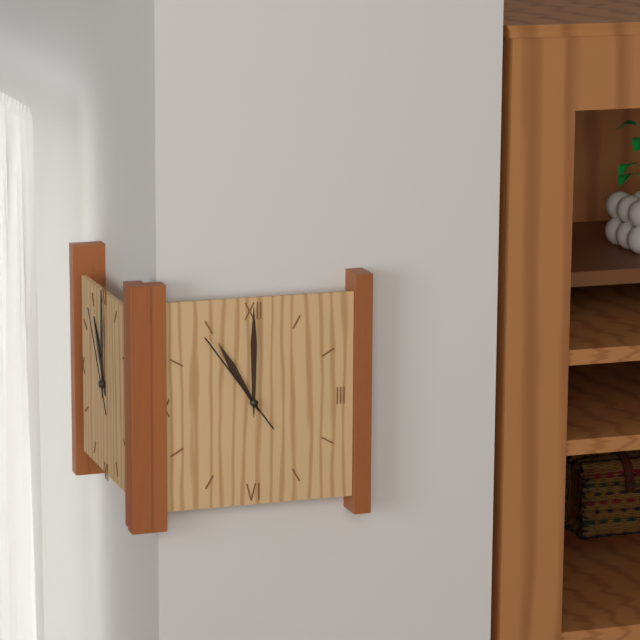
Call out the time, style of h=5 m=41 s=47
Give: h=11 m=0 s=54
